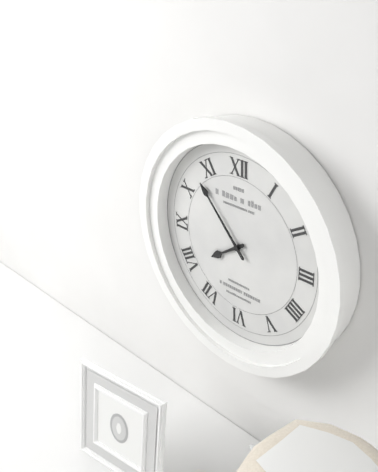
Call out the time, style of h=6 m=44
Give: h=7 m=53
